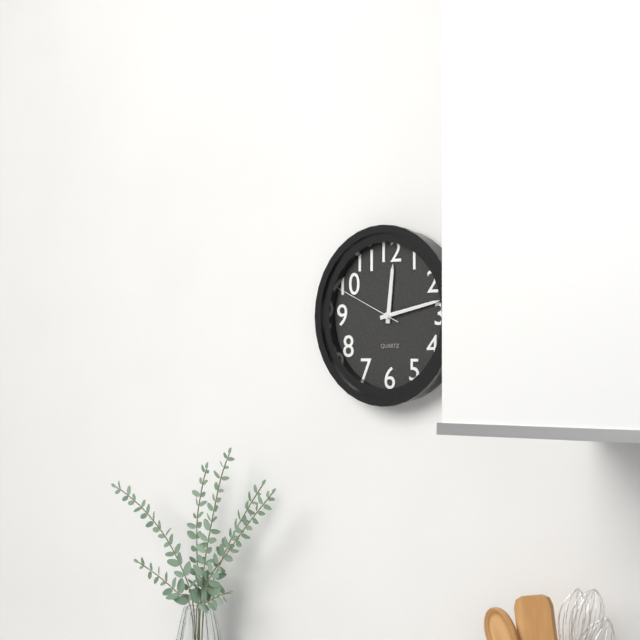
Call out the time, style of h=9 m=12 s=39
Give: h=12 m=13 s=49
